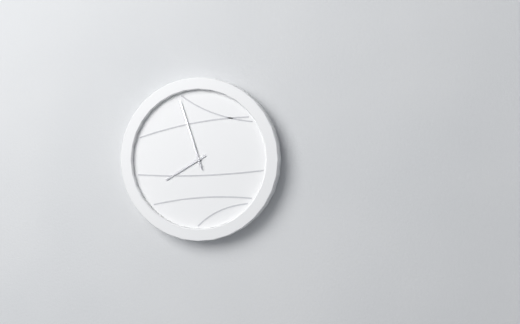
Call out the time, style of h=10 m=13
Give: h=7 m=57
